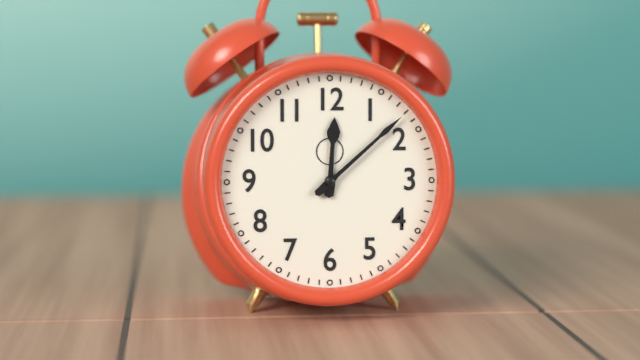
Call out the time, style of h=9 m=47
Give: h=12 m=8
